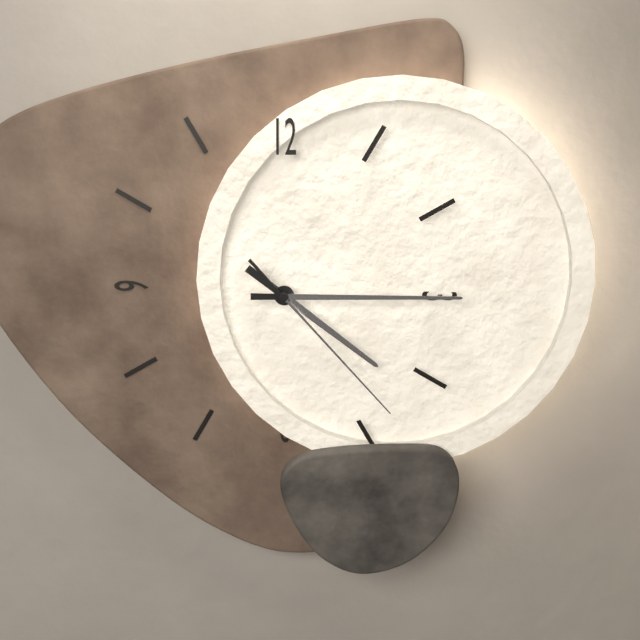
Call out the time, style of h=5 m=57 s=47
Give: h=4 m=15 s=23
